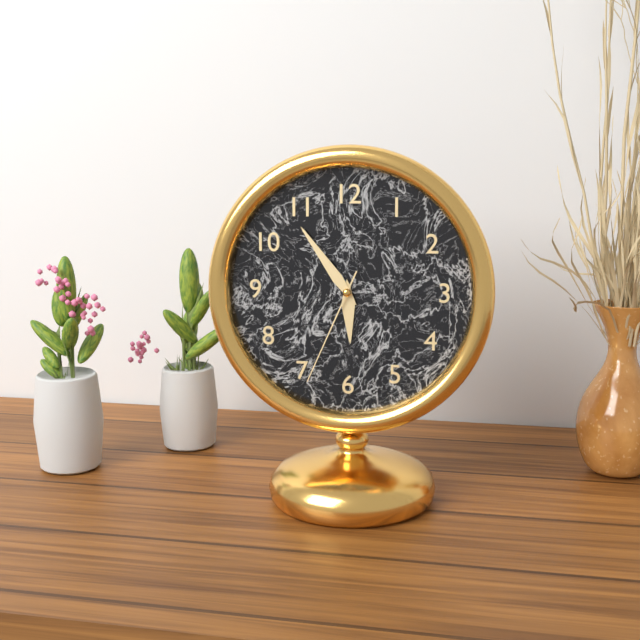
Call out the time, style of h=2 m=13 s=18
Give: h=5 m=54 s=34
